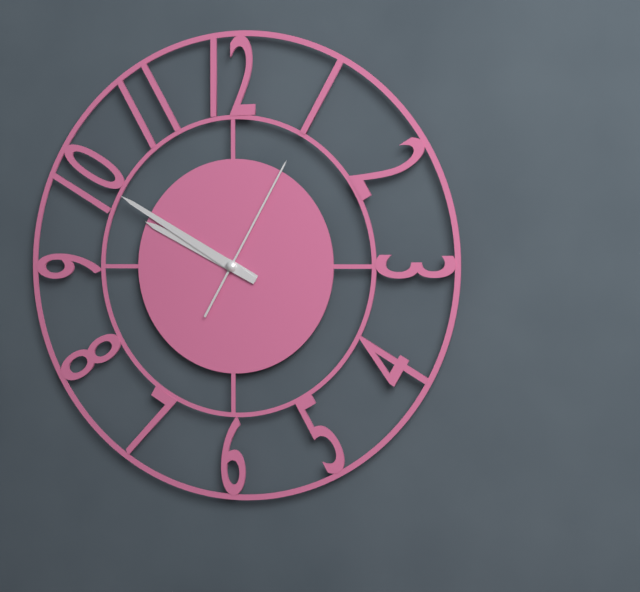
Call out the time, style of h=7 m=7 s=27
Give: h=9 m=50 s=5
